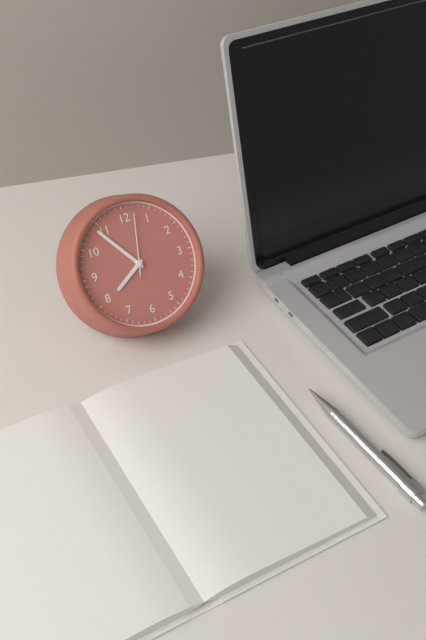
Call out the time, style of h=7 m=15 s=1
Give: h=7 m=54 s=2
